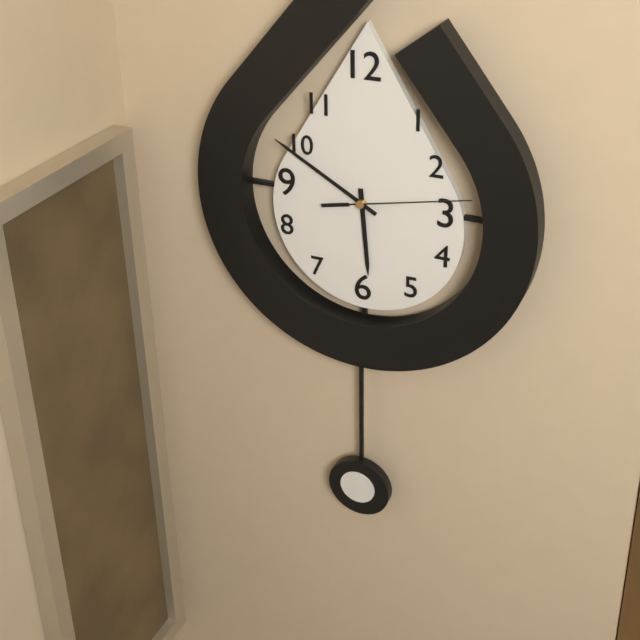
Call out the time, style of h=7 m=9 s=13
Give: h=5 m=50 s=13
